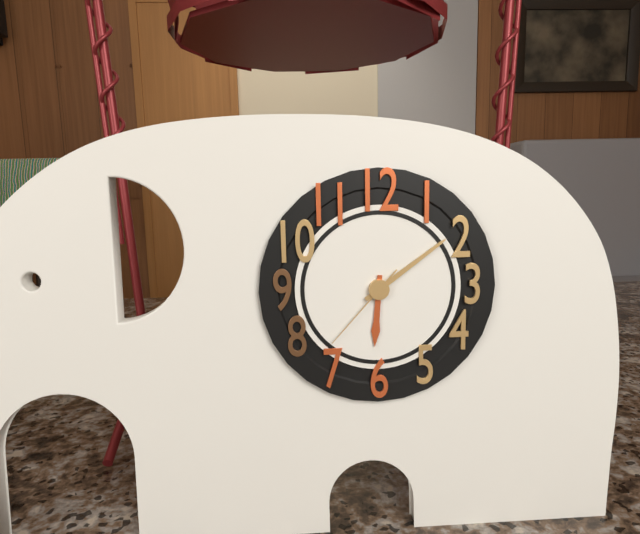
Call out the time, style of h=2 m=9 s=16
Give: h=6 m=9 s=37
